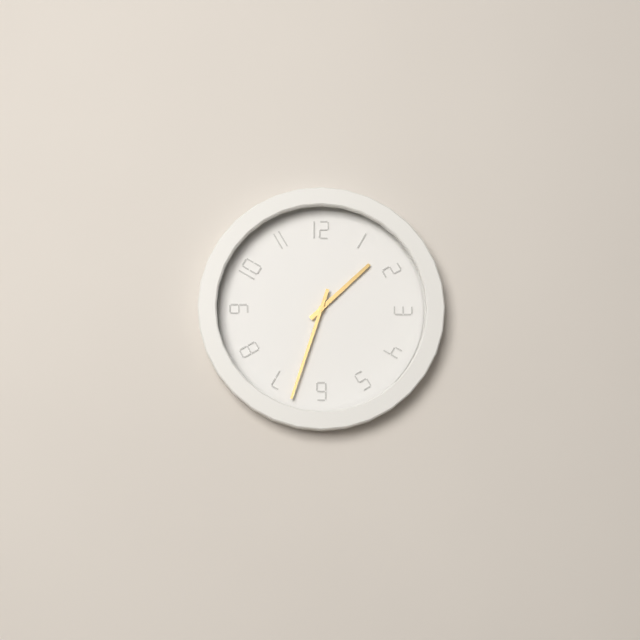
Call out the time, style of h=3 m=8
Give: h=1 m=33
